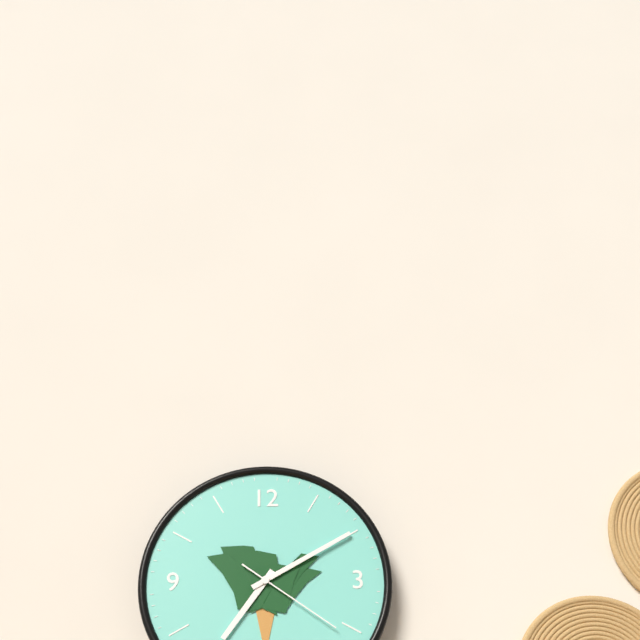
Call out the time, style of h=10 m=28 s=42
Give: h=7 m=10 s=21
